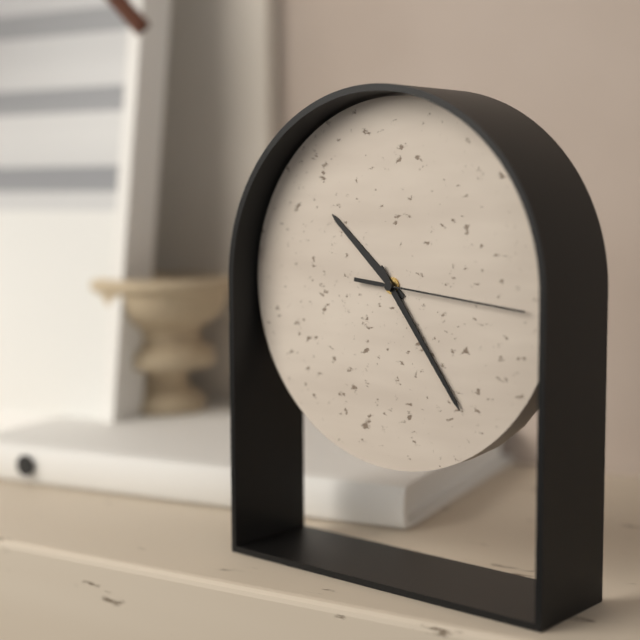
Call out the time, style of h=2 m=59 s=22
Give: h=10 m=24 s=16
